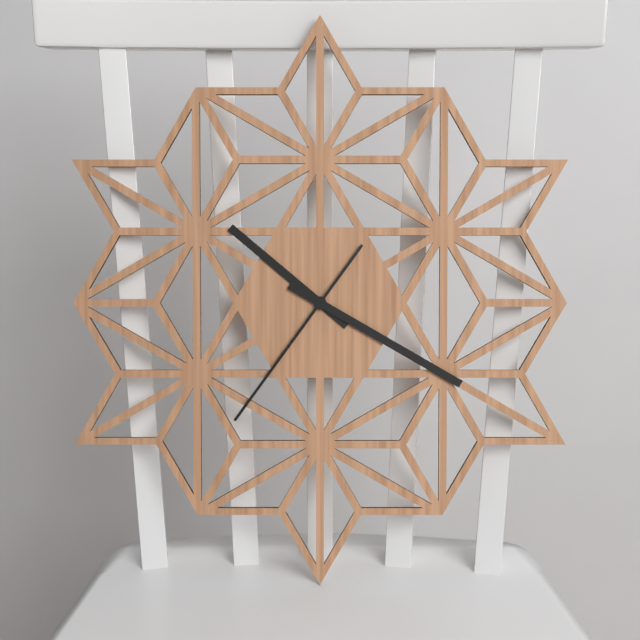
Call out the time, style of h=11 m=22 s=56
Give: h=10 m=20 s=36
